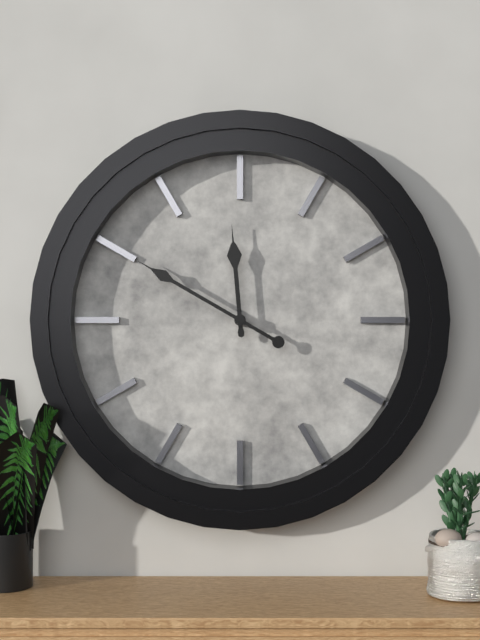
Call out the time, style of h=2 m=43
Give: h=11 m=50
